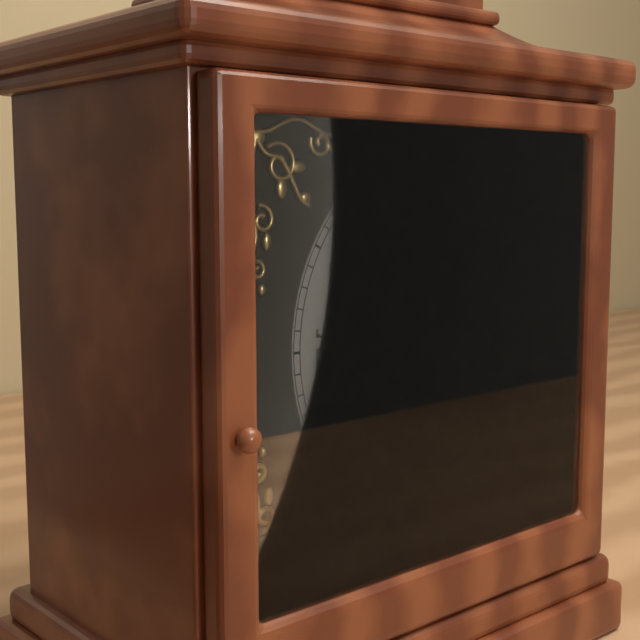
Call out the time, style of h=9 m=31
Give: h=11 m=58
